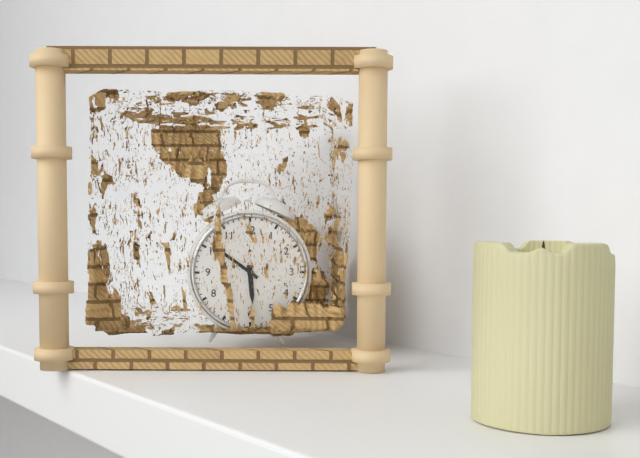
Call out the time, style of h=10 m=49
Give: h=5 m=51
